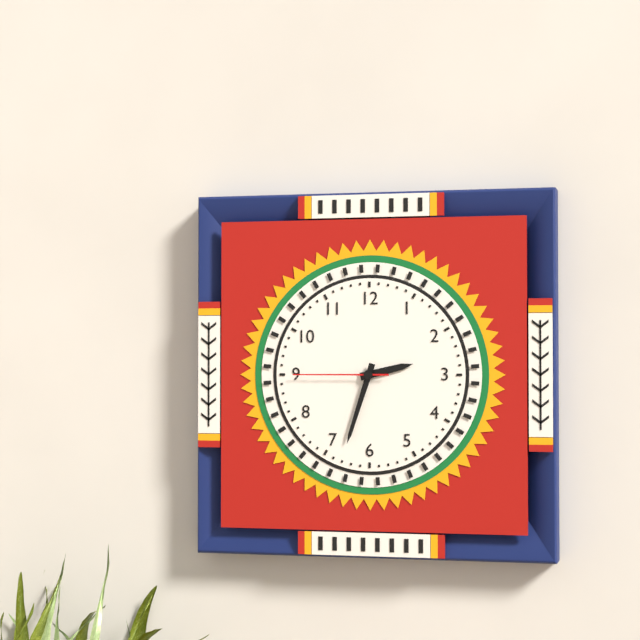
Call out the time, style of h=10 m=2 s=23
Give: h=2 m=33 s=45
